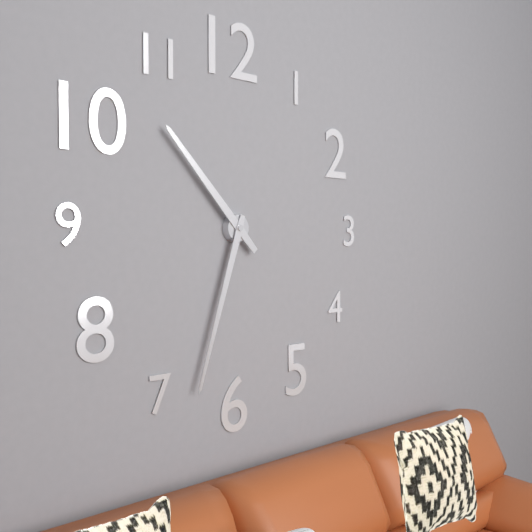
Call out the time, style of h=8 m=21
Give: h=10 m=33
